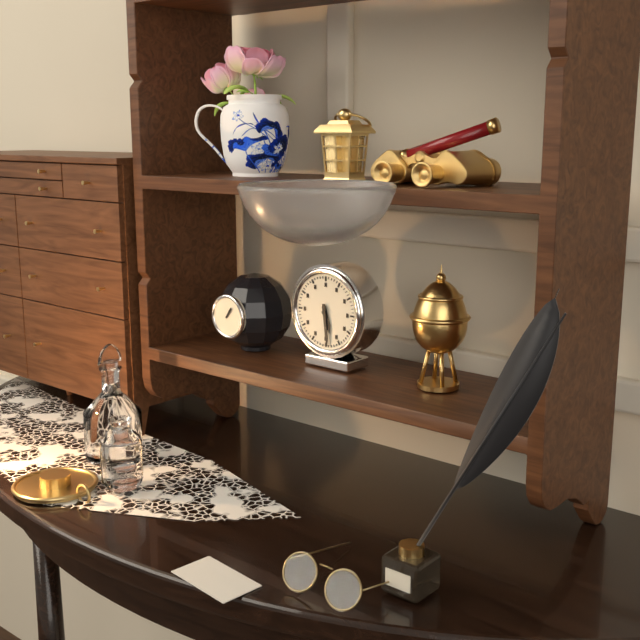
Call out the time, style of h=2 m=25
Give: h=5 m=29
